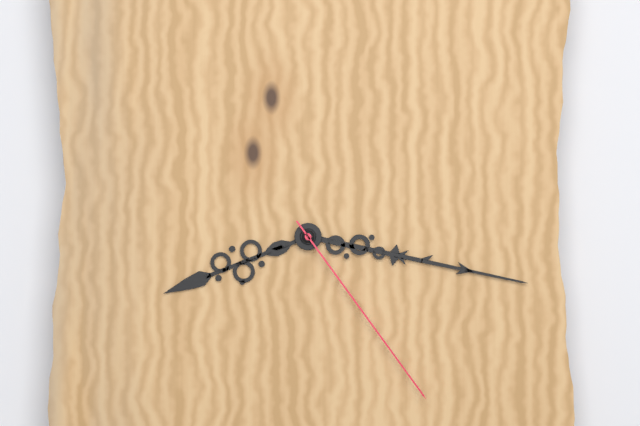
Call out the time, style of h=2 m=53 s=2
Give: h=8 m=17 s=24
